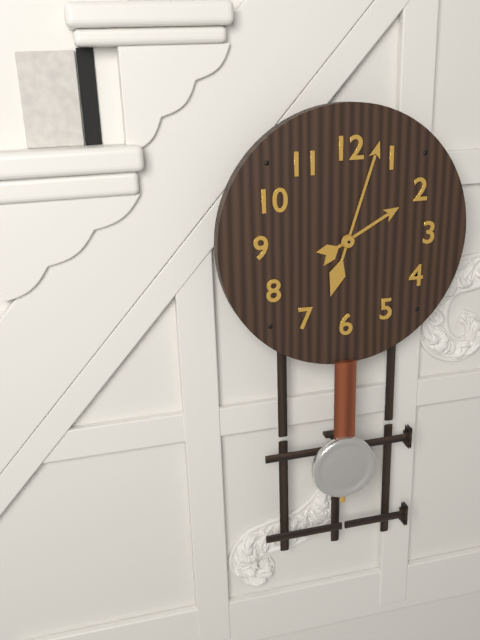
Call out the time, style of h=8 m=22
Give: h=2 m=3
